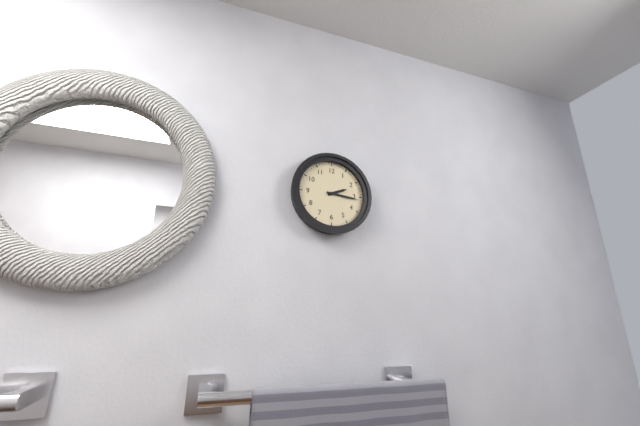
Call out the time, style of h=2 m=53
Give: h=2 m=16
